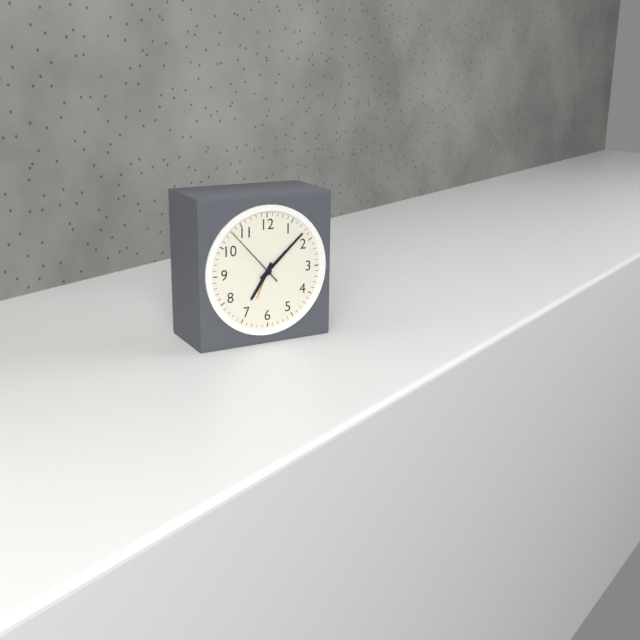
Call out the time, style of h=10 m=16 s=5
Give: h=7 m=8 s=53
